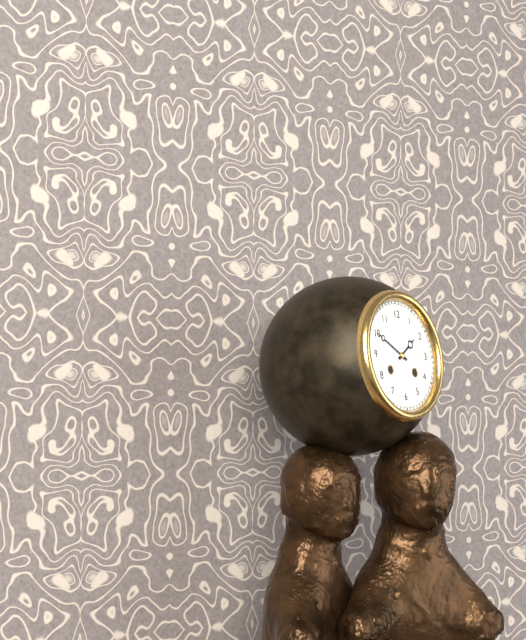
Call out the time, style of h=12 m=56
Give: h=1 m=50
